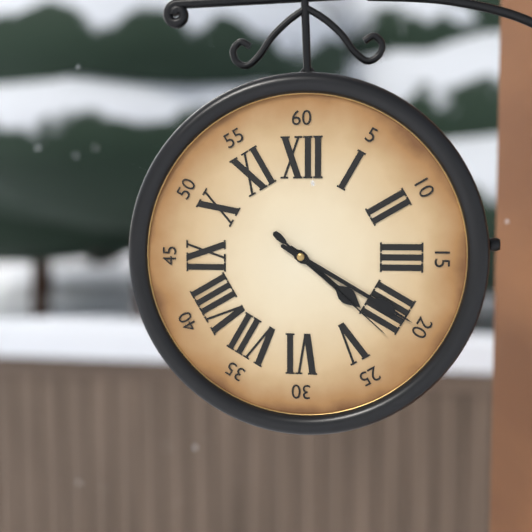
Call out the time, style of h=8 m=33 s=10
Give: h=4 m=20 s=22
